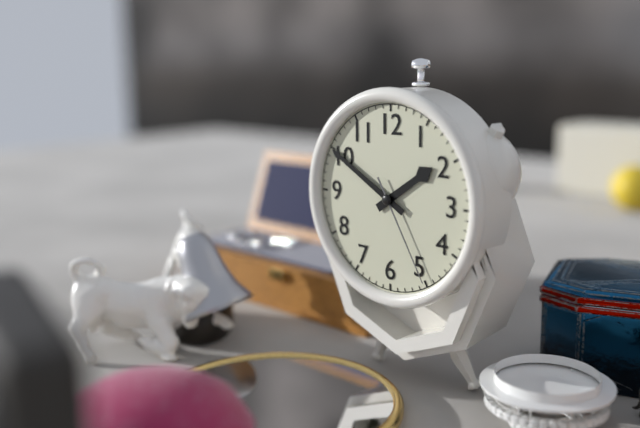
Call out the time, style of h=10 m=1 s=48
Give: h=1 m=50 s=25
